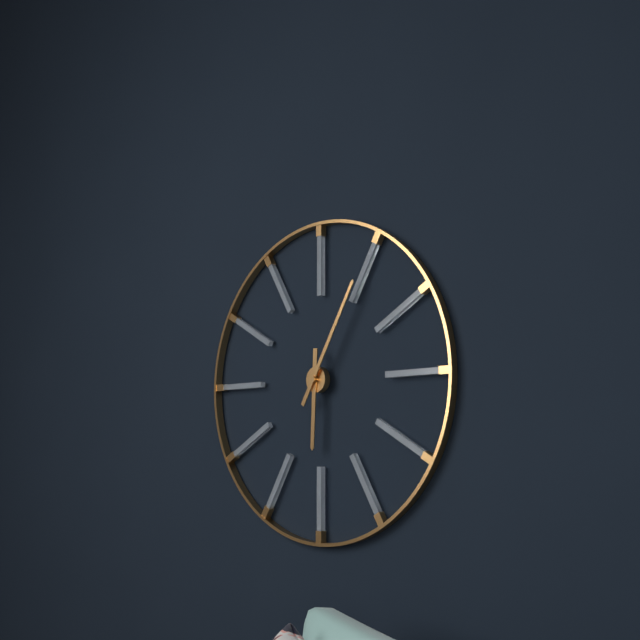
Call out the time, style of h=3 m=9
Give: h=6 m=5
